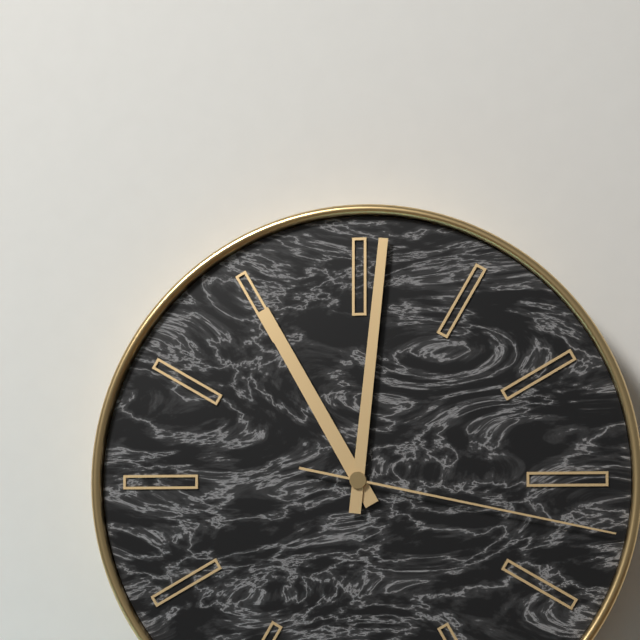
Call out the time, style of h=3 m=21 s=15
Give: h=11 m=1 s=17
